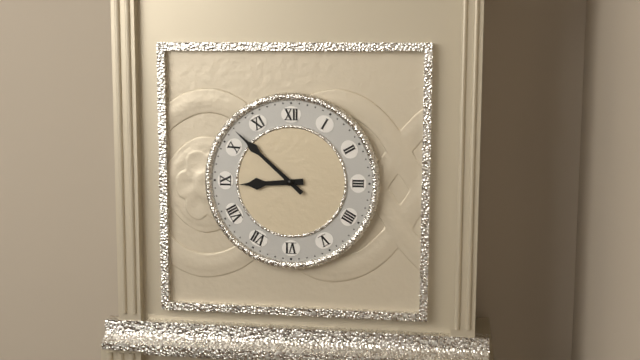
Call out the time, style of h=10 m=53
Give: h=8 m=52
